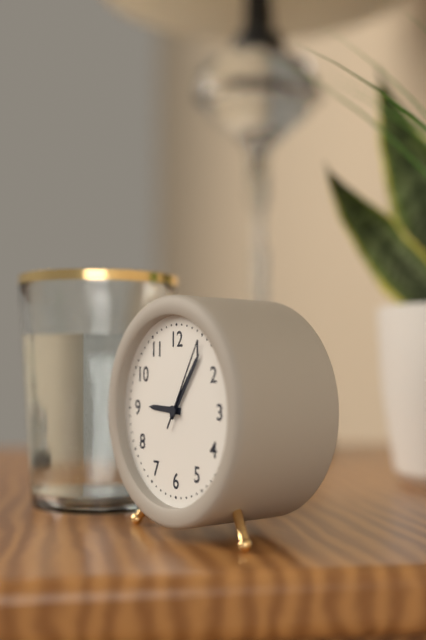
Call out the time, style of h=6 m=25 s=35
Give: h=9 m=6 s=5
